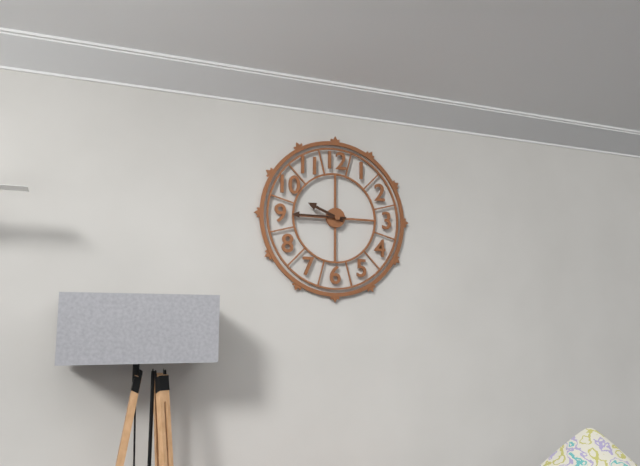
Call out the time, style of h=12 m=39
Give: h=9 m=45
